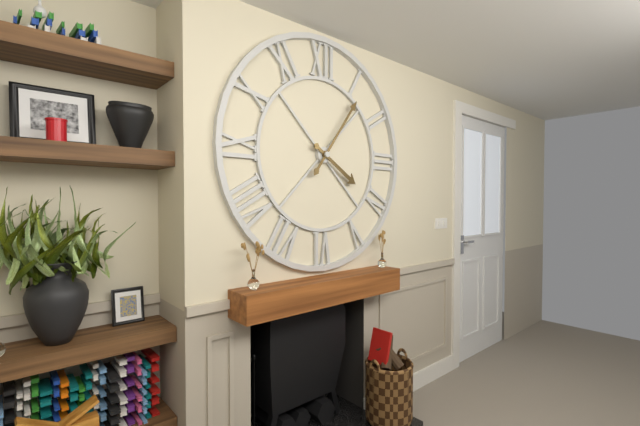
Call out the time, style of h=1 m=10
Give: h=4 m=6
